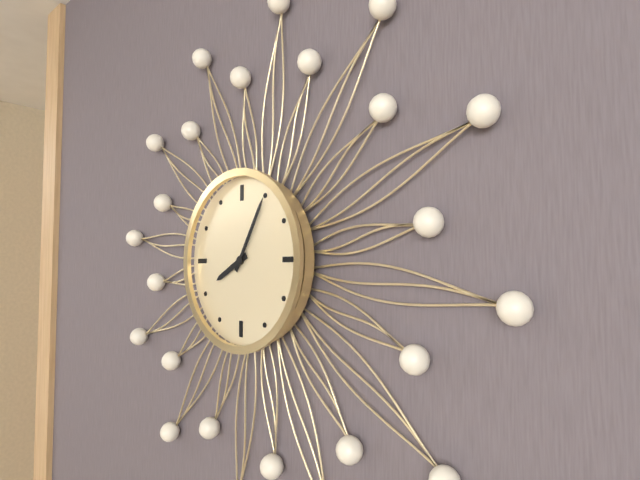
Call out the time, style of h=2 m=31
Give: h=8 m=5
